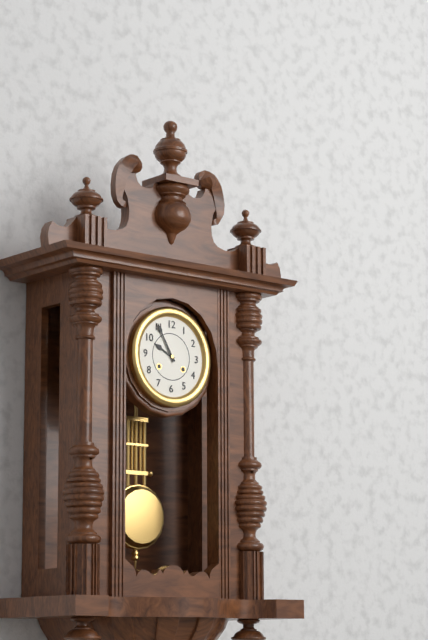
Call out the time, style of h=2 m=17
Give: h=9 m=55
